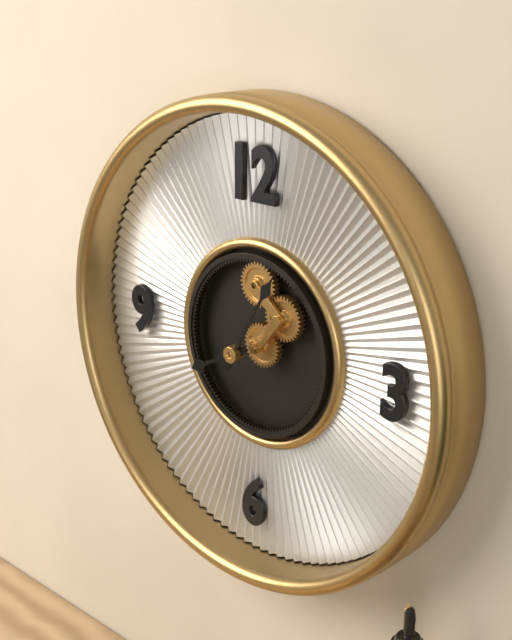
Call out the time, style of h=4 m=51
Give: h=8 m=5
